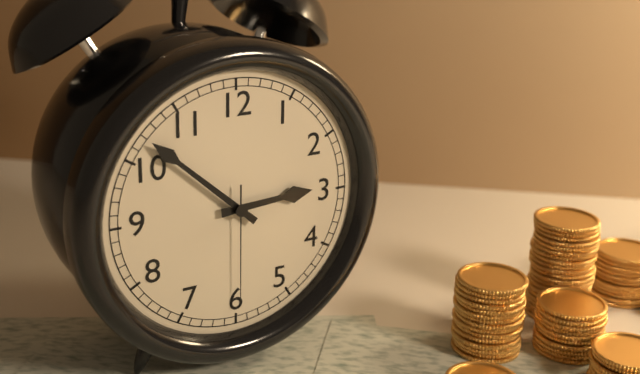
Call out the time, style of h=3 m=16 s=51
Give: h=2 m=52 s=30
